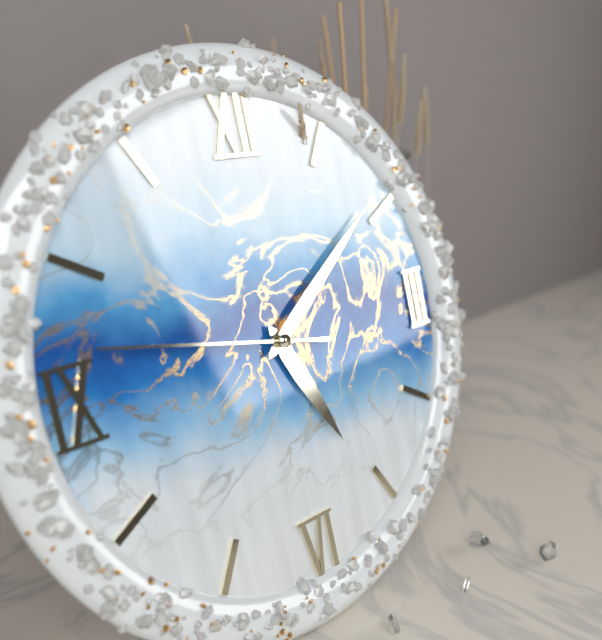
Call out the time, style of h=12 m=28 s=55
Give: h=5 m=9 s=47
